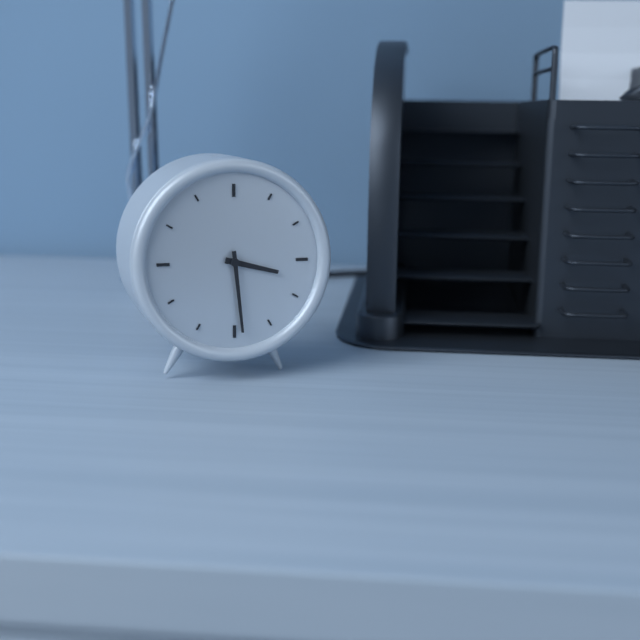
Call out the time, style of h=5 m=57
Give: h=3 m=29
